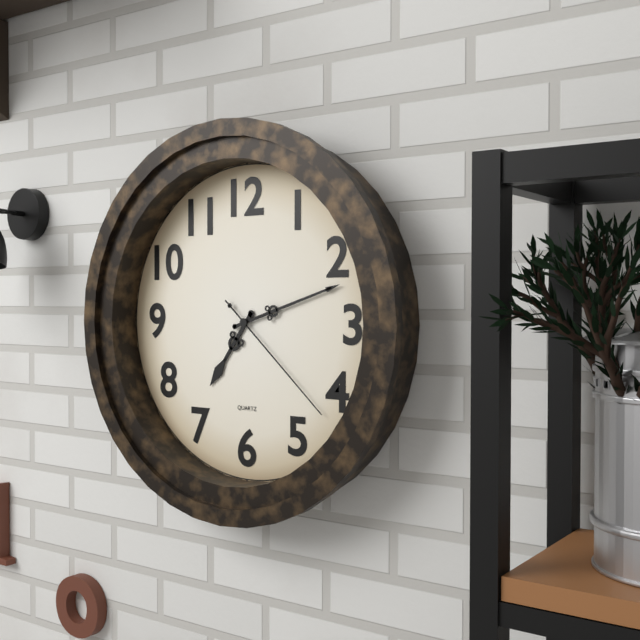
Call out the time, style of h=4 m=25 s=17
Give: h=7 m=12 s=22
